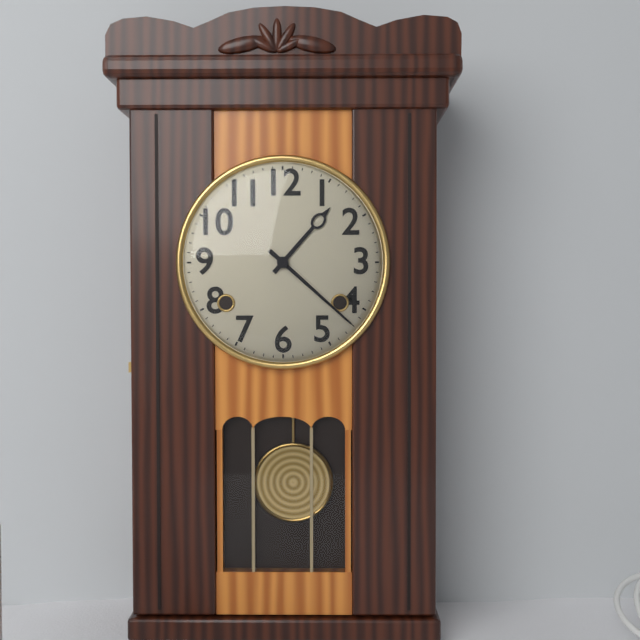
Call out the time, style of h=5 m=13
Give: h=1 m=22
